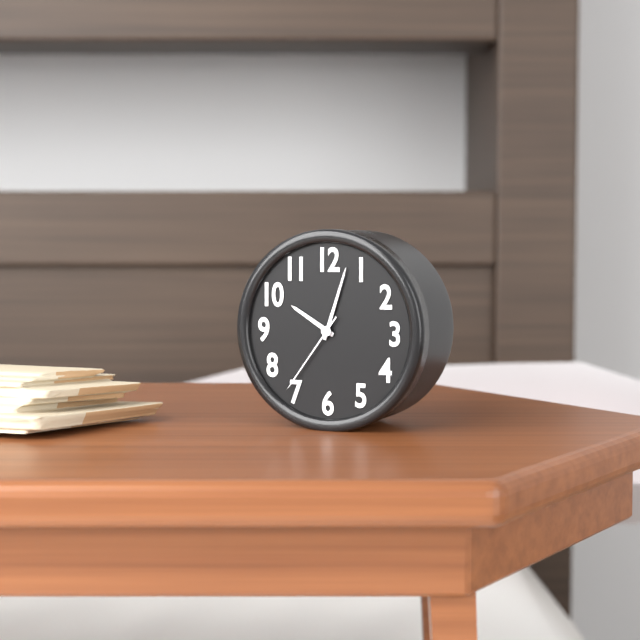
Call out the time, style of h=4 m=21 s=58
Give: h=10 m=3 s=36
